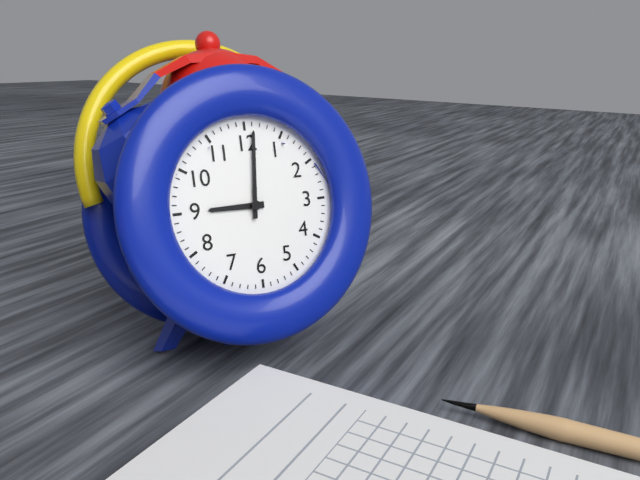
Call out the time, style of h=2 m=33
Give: h=9 m=1
